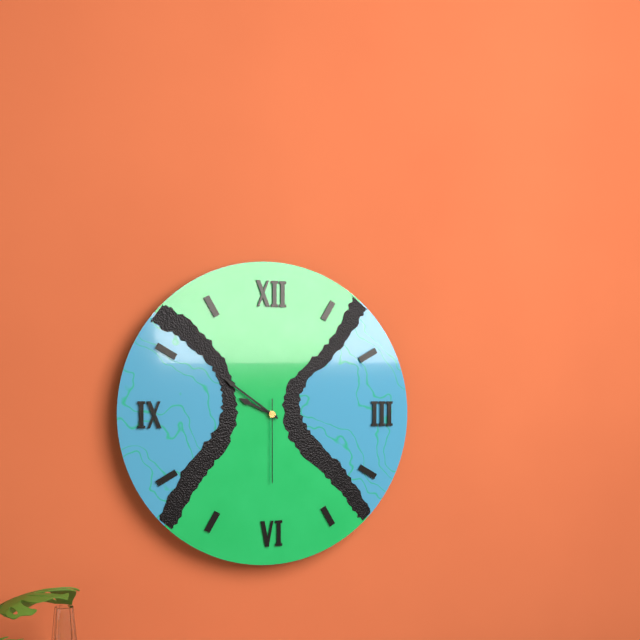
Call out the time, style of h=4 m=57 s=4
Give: h=9 m=51 s=30
